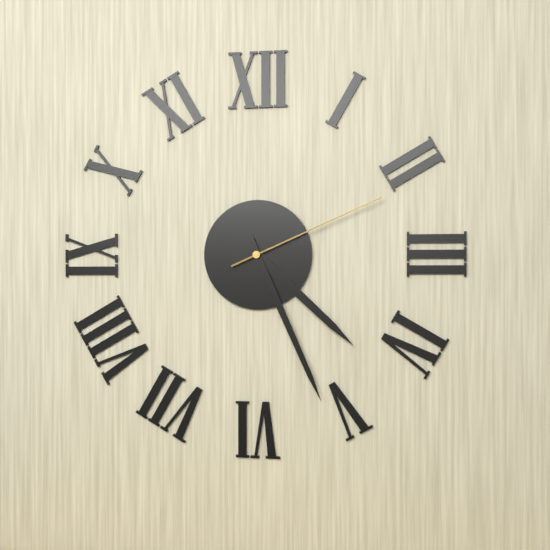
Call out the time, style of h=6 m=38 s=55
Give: h=4 m=26 s=11
